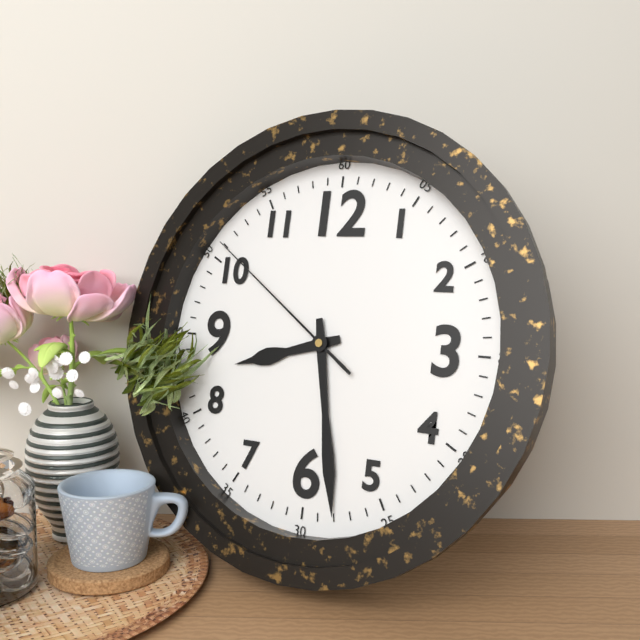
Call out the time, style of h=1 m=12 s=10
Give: h=8 m=28 s=51
